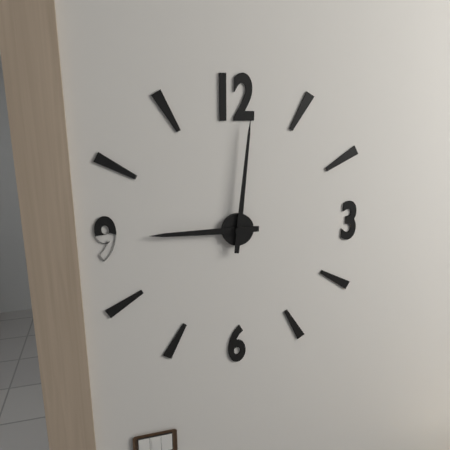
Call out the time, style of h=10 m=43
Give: h=9 m=1
